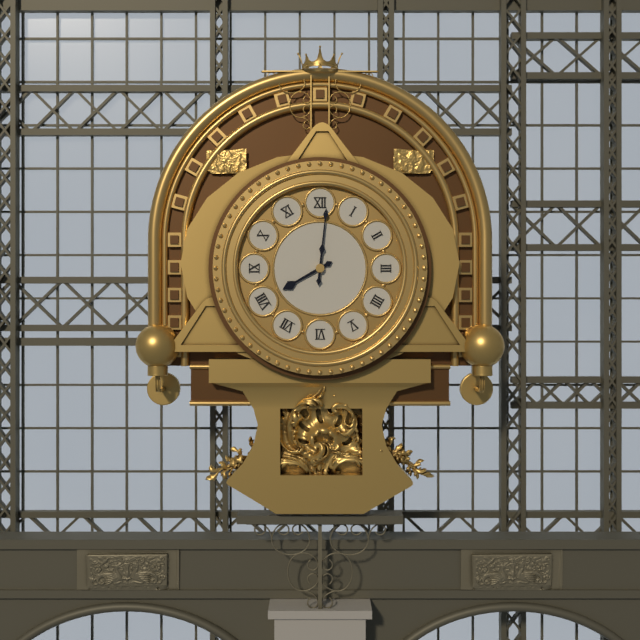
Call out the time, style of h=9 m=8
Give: h=8 m=1
